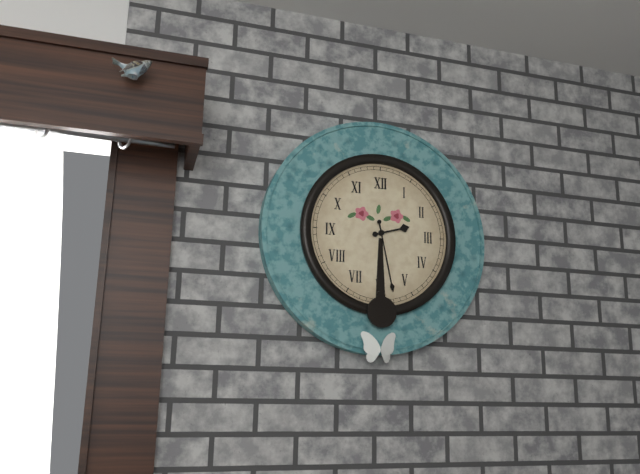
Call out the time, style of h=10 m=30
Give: h=2 m=28
